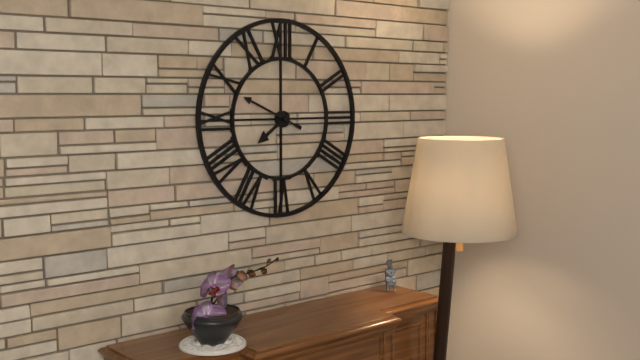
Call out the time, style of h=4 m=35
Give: h=7 m=49
